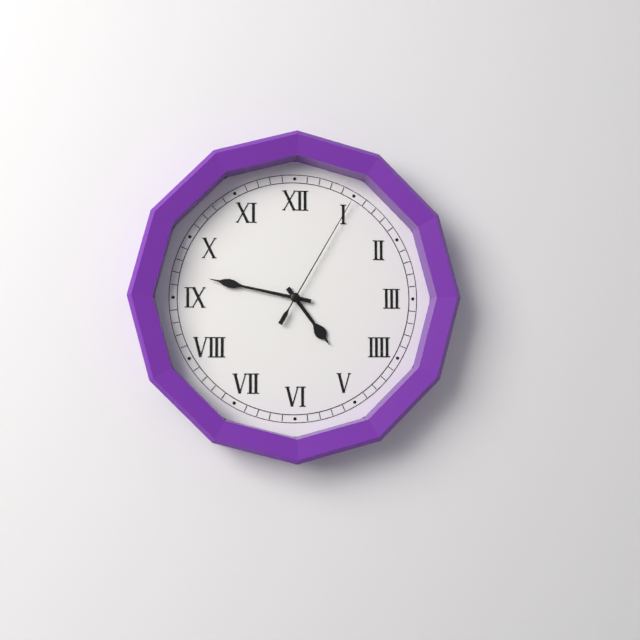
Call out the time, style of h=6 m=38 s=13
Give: h=4 m=47 s=5
